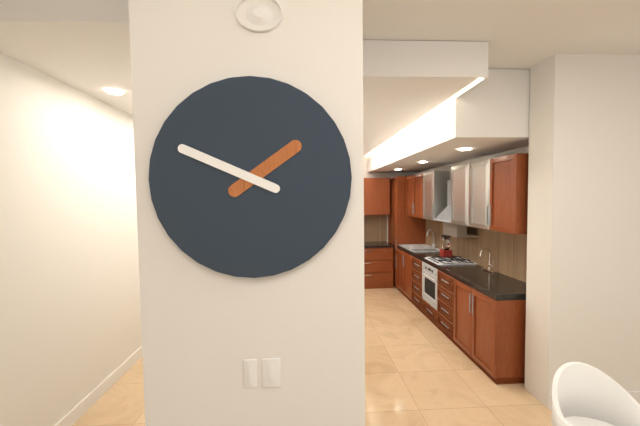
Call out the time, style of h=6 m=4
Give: h=1 m=49
